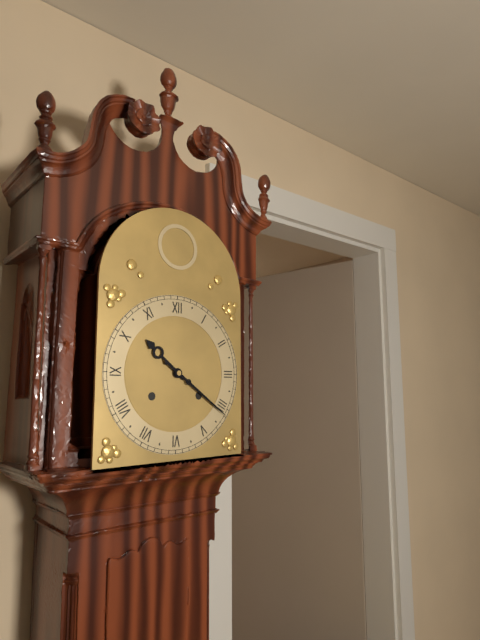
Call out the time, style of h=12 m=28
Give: h=10 m=21
